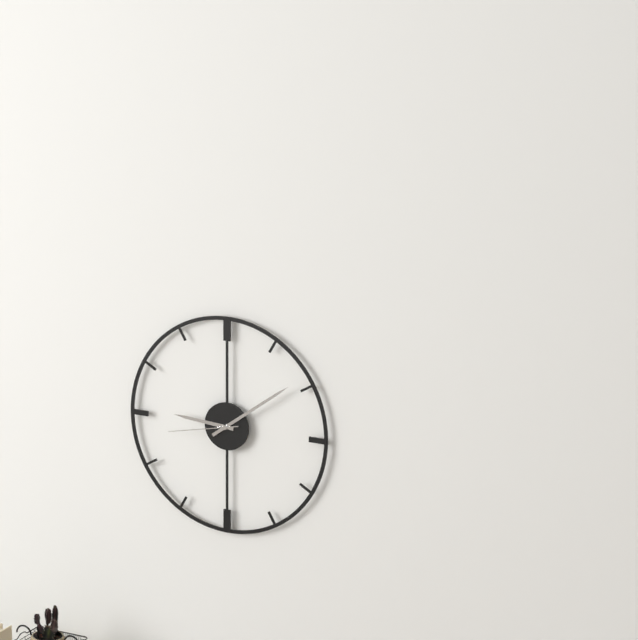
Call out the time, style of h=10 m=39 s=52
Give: h=9 m=9 s=43
